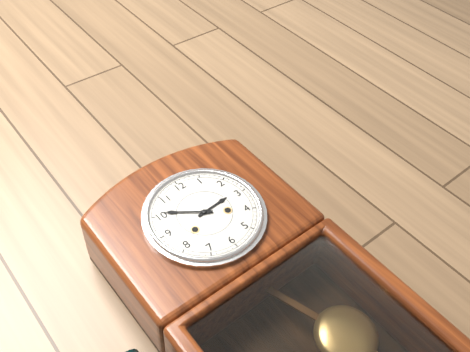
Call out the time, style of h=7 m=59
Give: h=2 m=51
